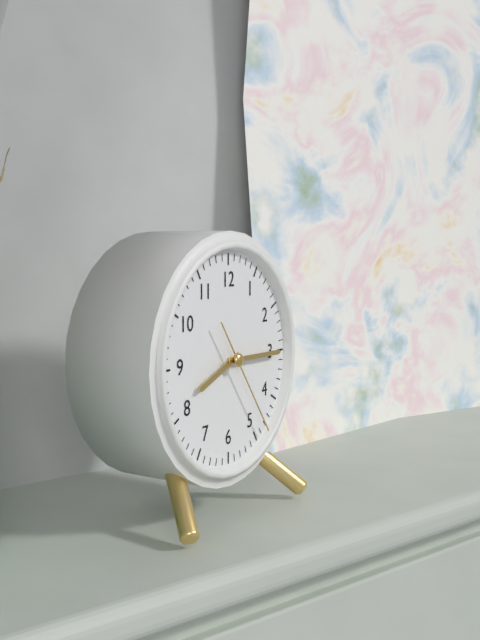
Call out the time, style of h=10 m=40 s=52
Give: h=8 m=15 s=24
